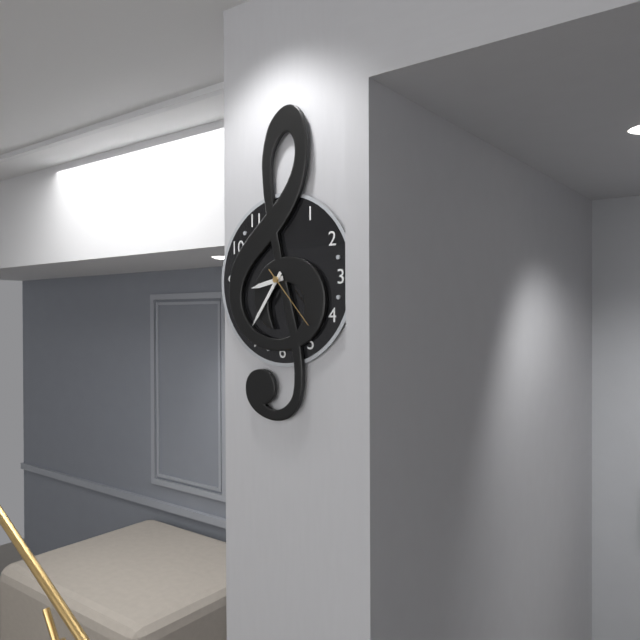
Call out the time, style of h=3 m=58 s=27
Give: h=8 m=36 s=23
